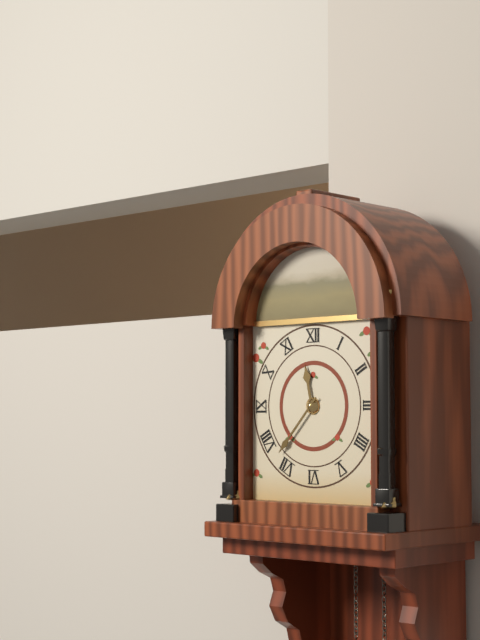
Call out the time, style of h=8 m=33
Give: h=11 m=37
